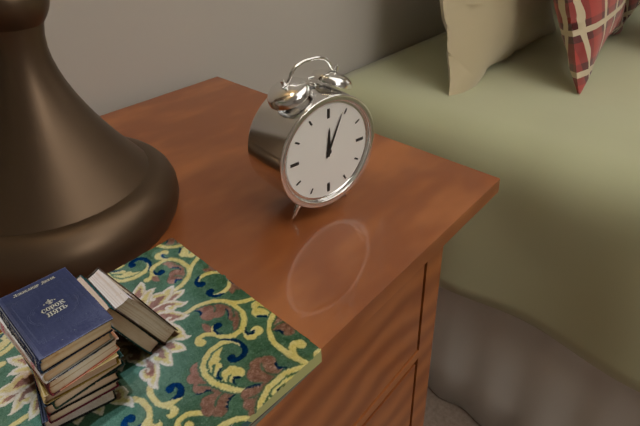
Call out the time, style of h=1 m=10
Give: h=12 m=4
